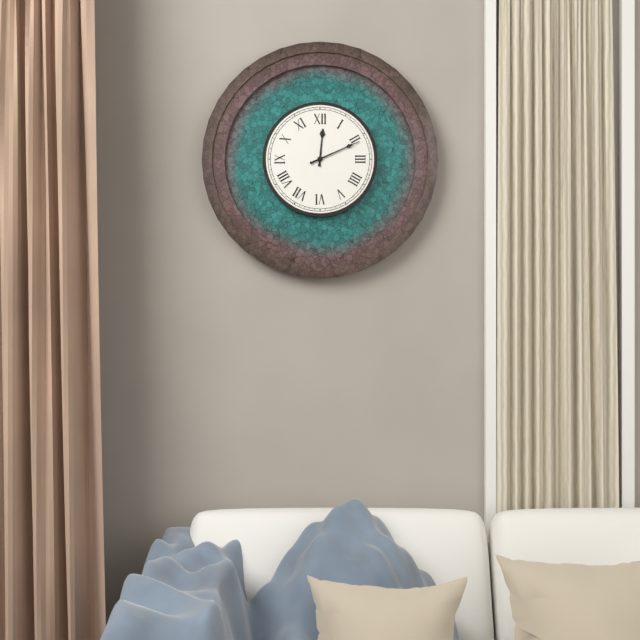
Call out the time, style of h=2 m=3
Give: h=12 m=11
